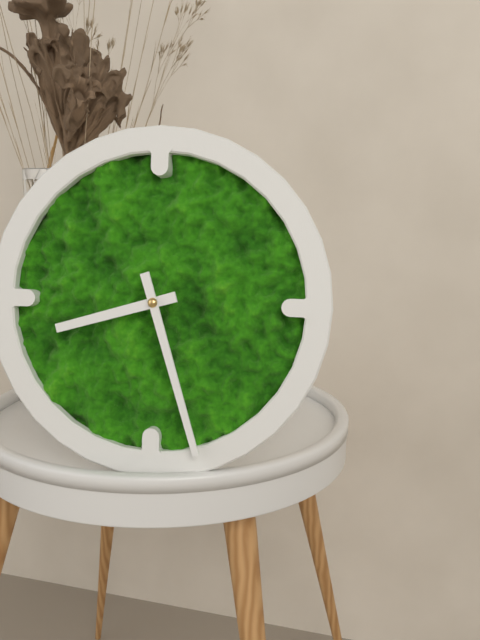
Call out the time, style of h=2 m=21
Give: h=8 m=27
